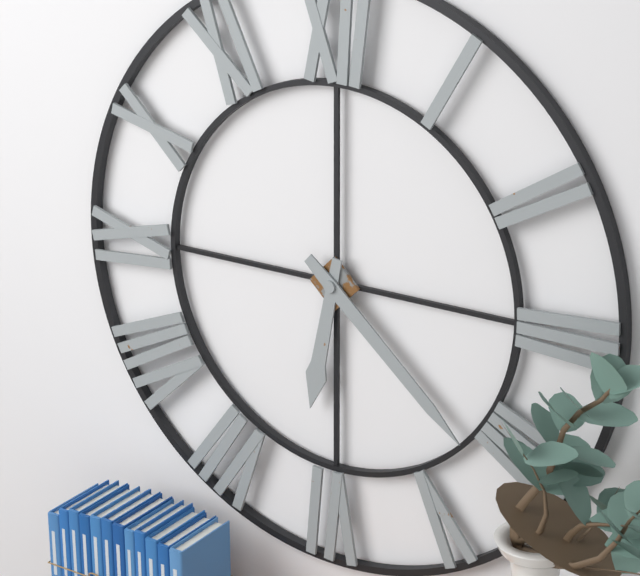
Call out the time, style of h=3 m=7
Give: h=6 m=22
